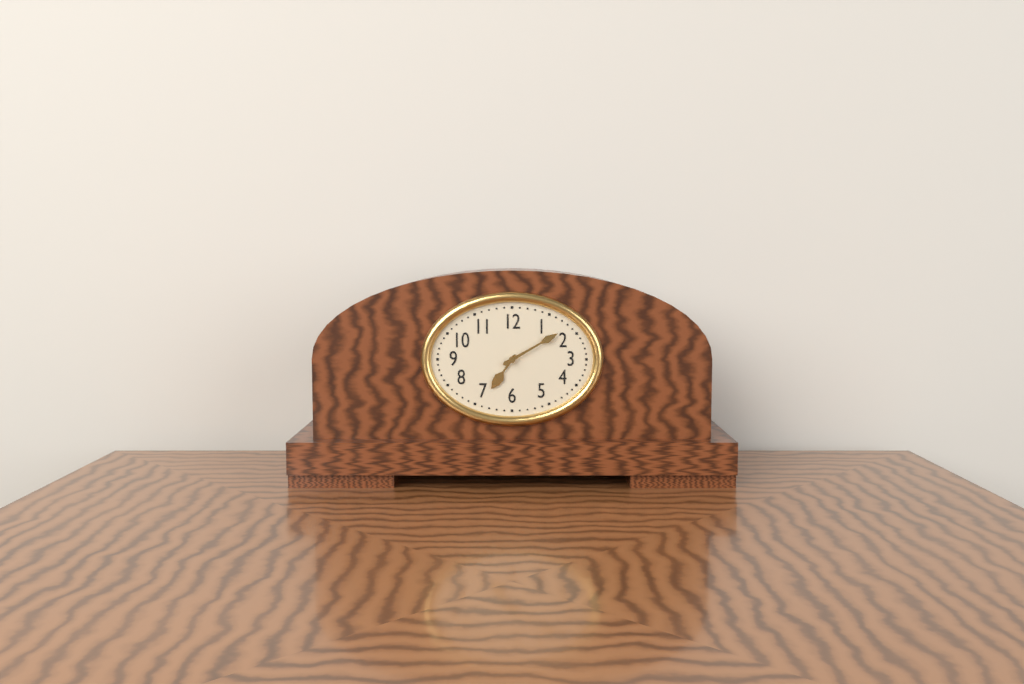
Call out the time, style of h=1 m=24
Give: h=7 m=10
